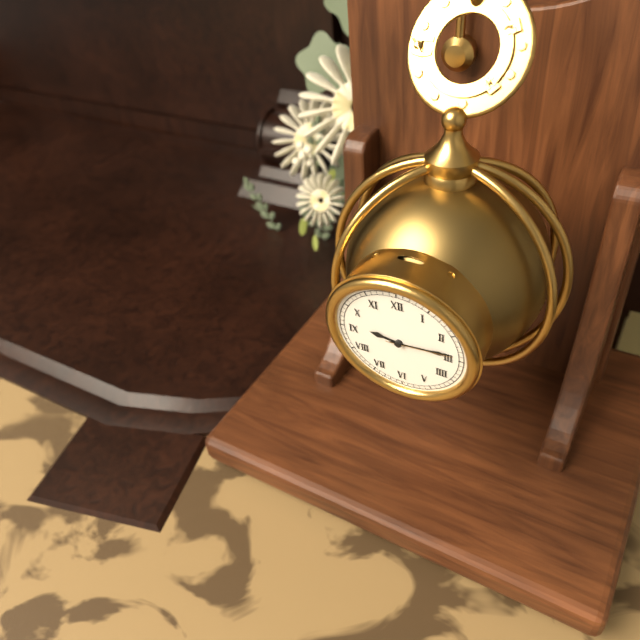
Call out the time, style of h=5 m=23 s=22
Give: h=9 m=14 s=14
